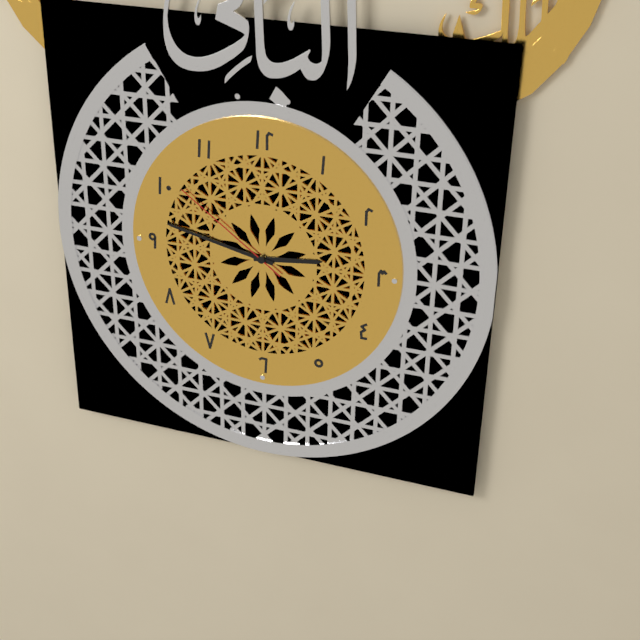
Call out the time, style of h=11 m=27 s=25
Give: h=2 m=47 s=51
